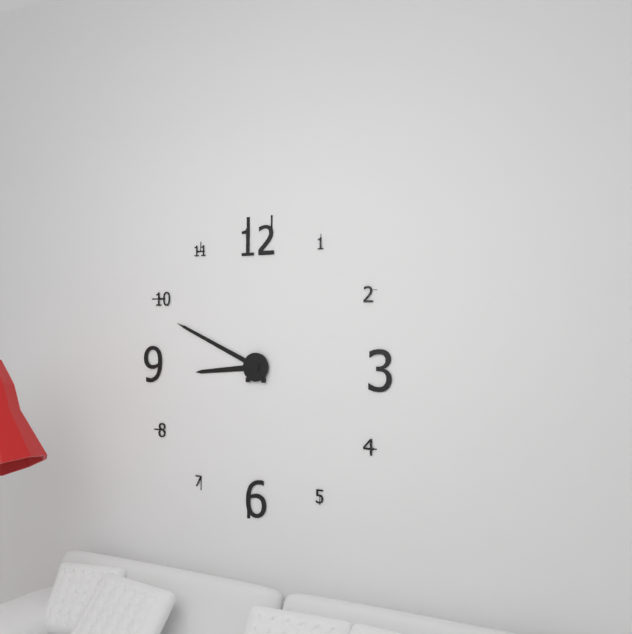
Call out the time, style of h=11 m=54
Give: h=8 m=49
